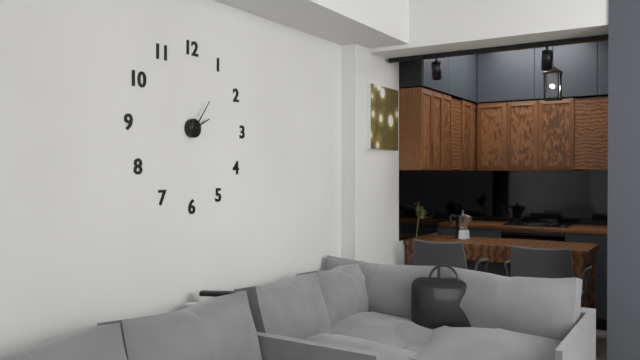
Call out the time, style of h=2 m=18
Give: h=2 m=6
